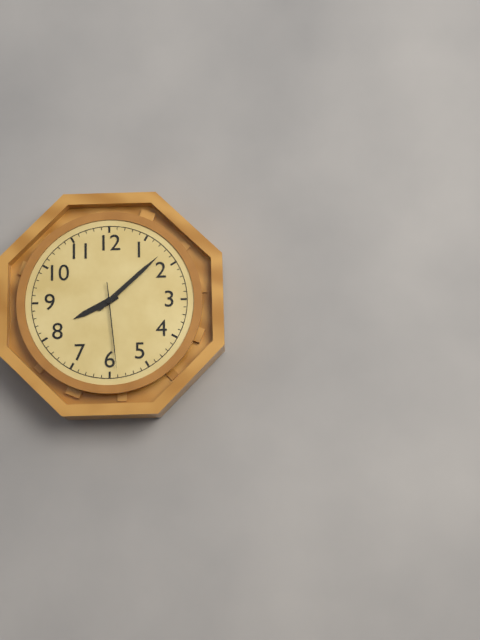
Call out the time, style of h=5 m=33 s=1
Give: h=8 m=8 s=29
